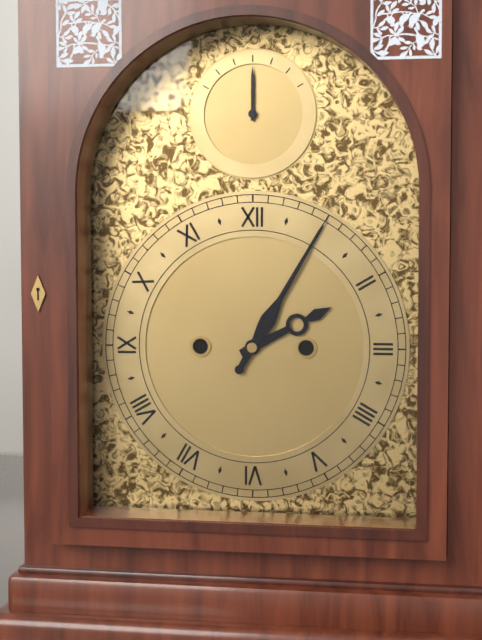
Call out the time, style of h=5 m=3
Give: h=2 m=5
